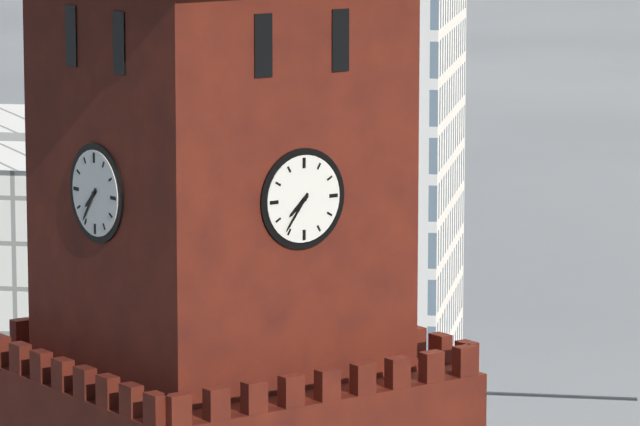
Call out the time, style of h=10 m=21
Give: h=7 m=36
